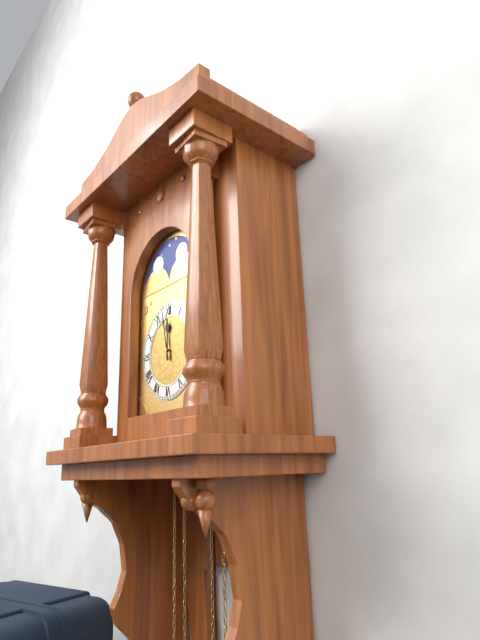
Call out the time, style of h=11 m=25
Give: h=11 m=58
